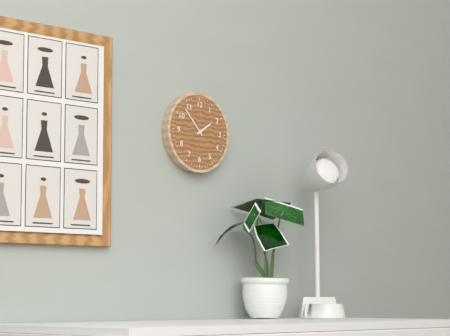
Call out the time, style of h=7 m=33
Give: h=1 m=53
